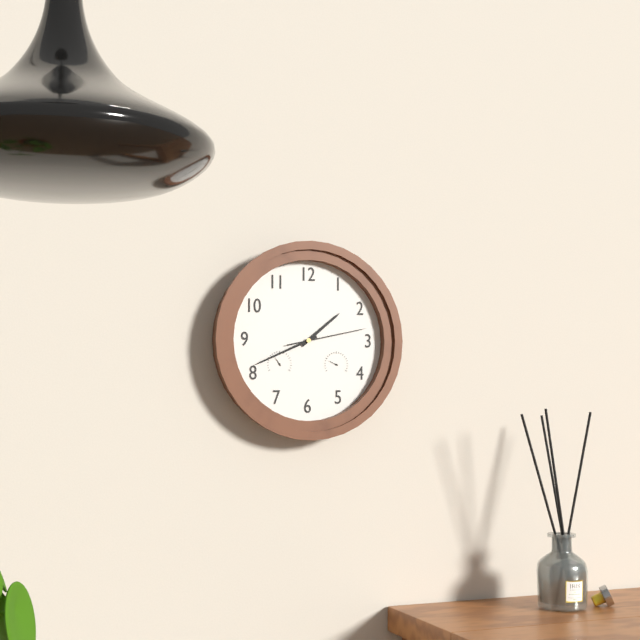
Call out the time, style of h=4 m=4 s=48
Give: h=1 m=41 s=13
